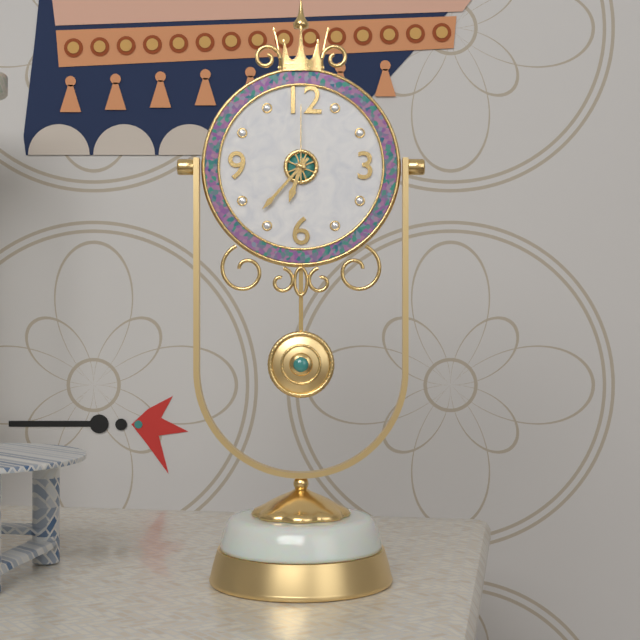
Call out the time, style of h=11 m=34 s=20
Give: h=6 m=37 s=0
